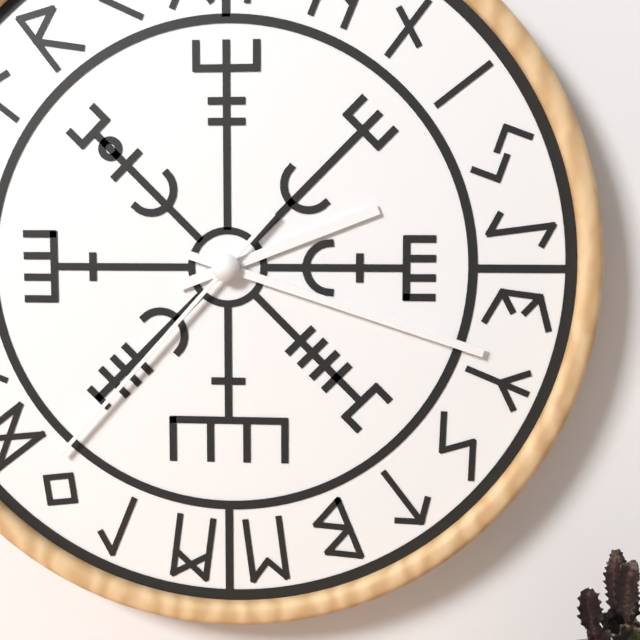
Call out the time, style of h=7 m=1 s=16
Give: h=2 m=18 s=37
